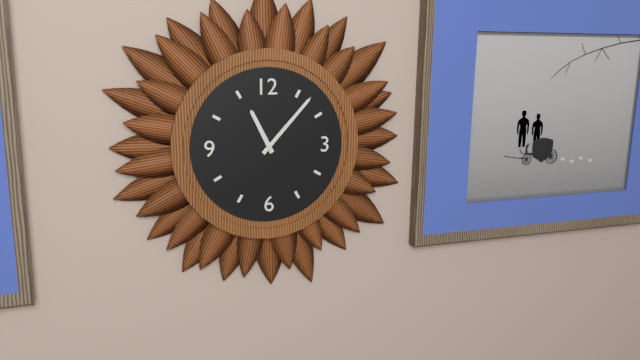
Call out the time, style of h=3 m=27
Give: h=11 m=7
